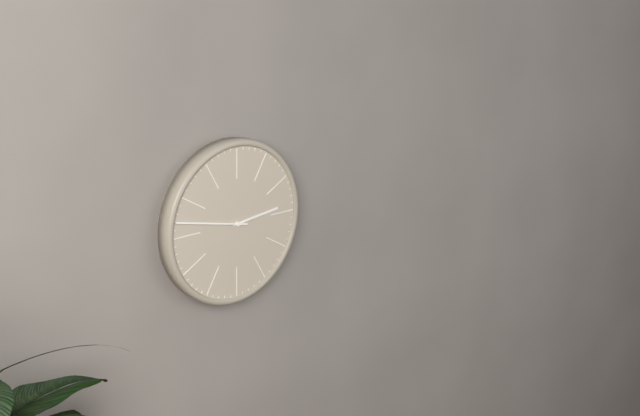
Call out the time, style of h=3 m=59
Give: h=2 m=47
